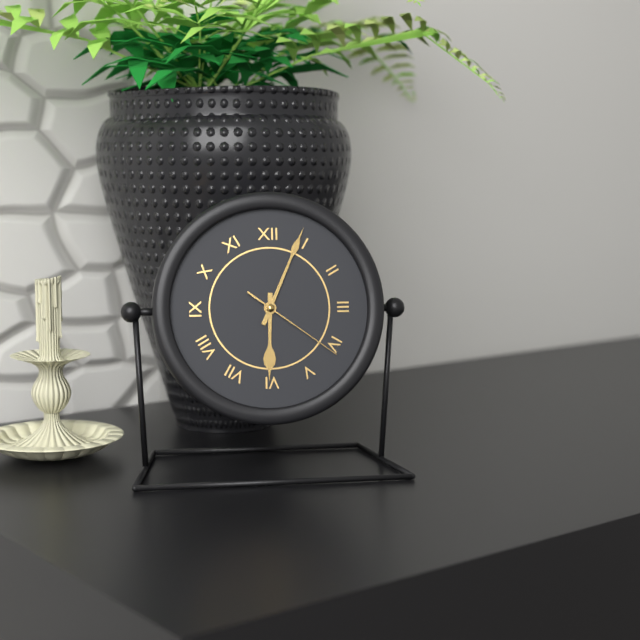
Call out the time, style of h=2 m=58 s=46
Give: h=6 m=4 s=21
